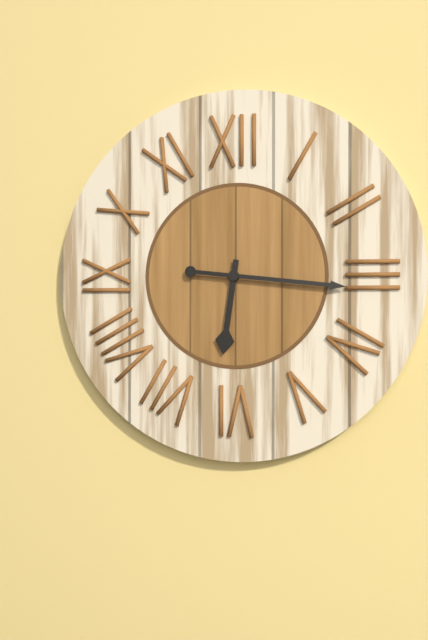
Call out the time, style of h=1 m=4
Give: h=6 m=16
